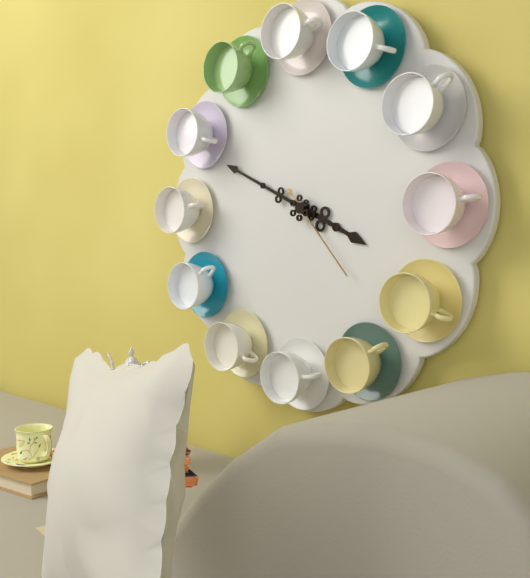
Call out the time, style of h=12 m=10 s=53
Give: h=3 m=49 s=23
